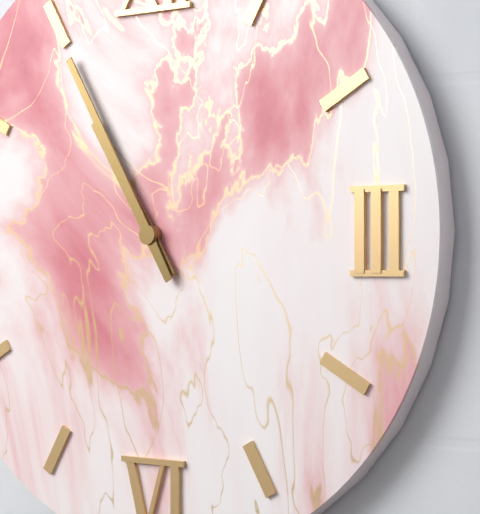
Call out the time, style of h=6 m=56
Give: h=10 m=55
